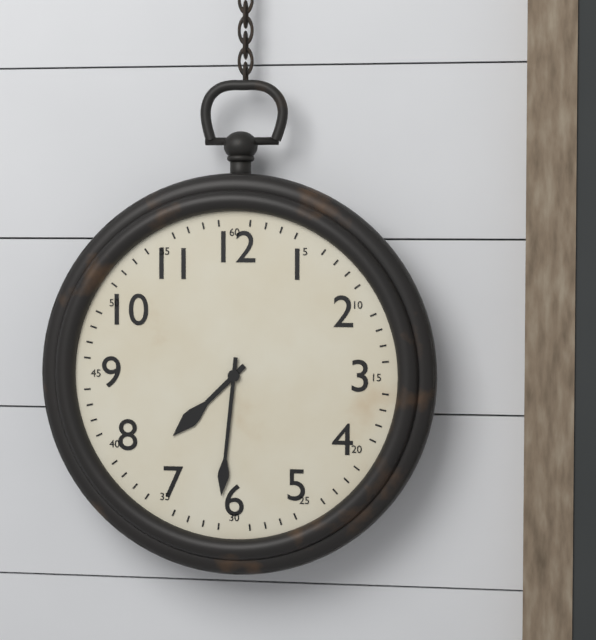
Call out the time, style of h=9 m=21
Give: h=7 m=31
